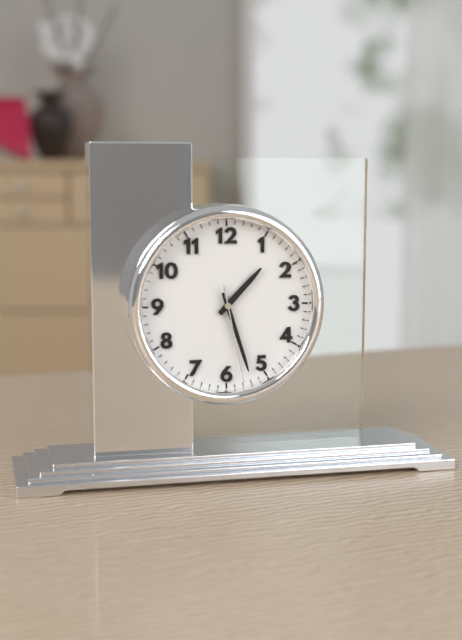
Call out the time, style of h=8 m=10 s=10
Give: h=1 m=27 s=28
